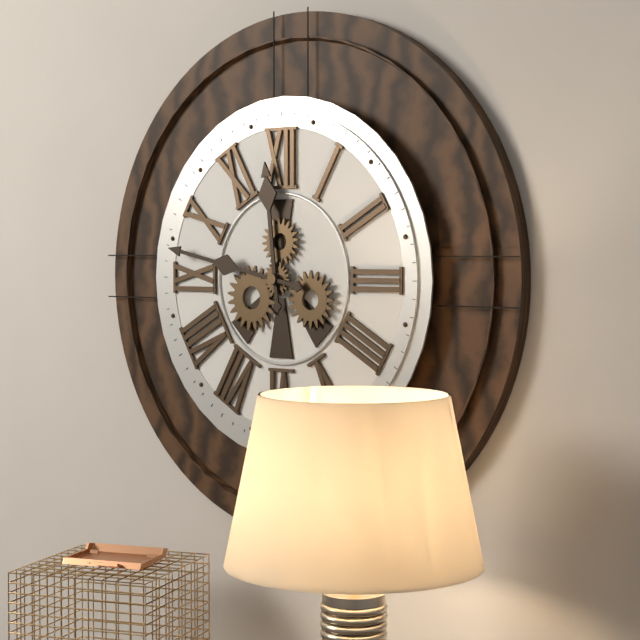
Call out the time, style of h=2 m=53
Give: h=11 m=47
